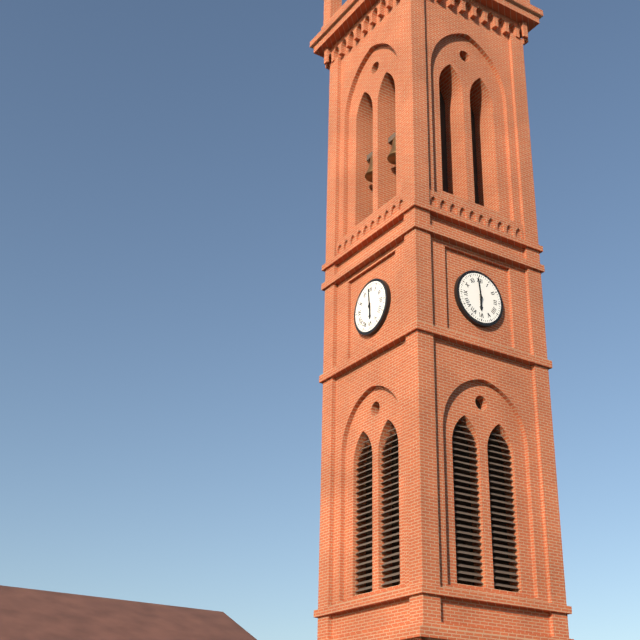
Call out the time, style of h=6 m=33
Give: h=5 m=59
